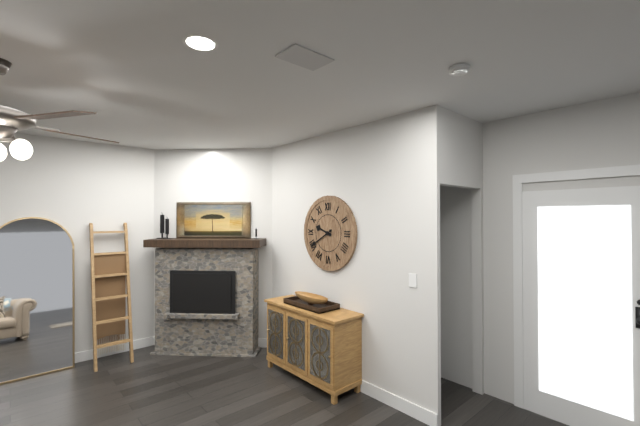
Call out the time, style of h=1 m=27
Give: h=9 m=40
